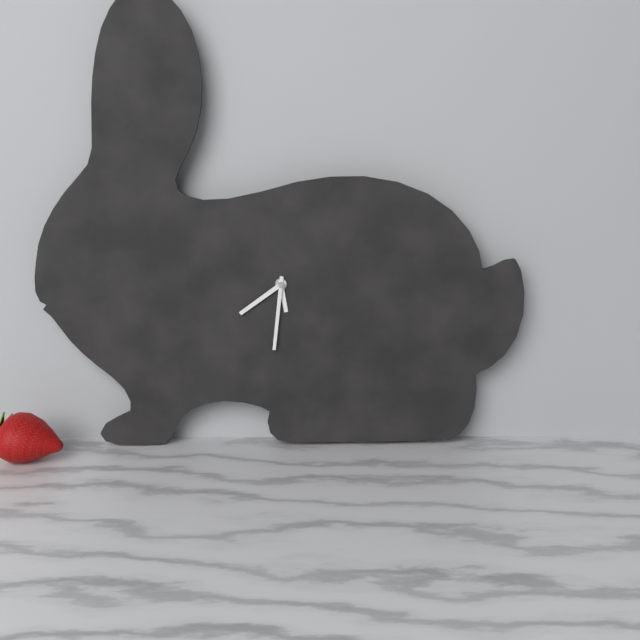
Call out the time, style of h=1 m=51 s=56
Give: h=5 m=39 s=31
